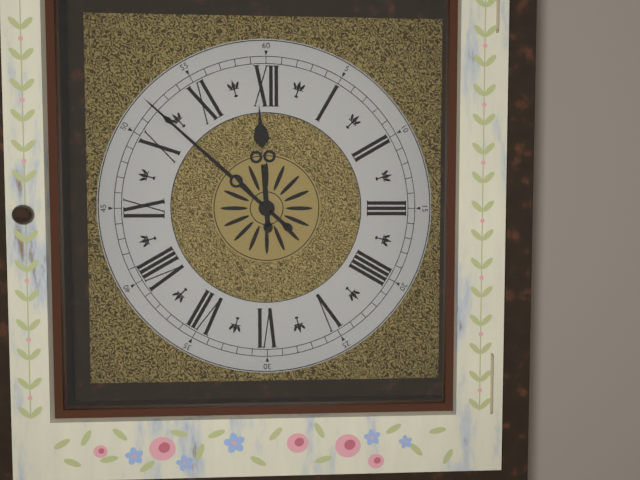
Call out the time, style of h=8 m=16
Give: h=11 m=52
